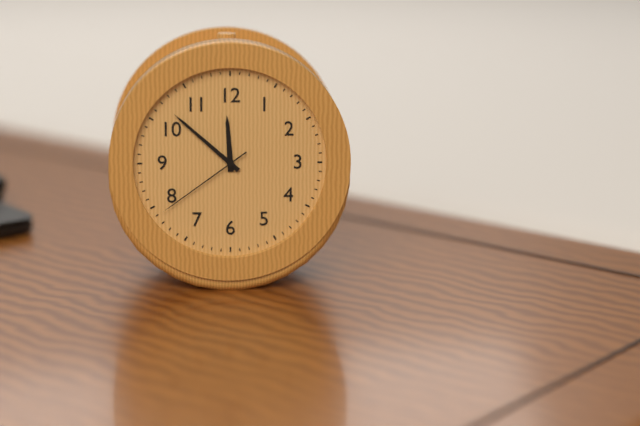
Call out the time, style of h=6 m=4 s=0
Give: h=11 m=52 s=39
